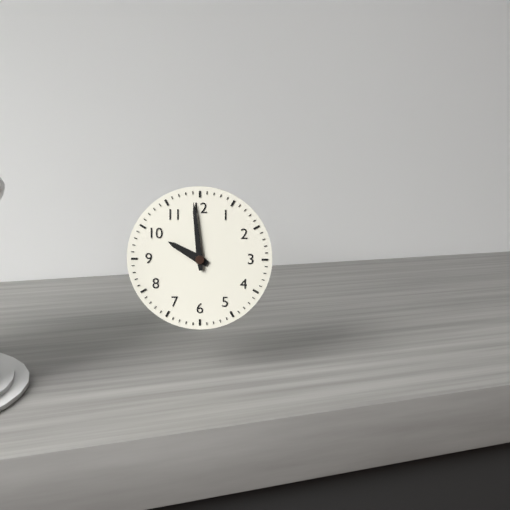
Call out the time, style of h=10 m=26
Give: h=9 m=59
